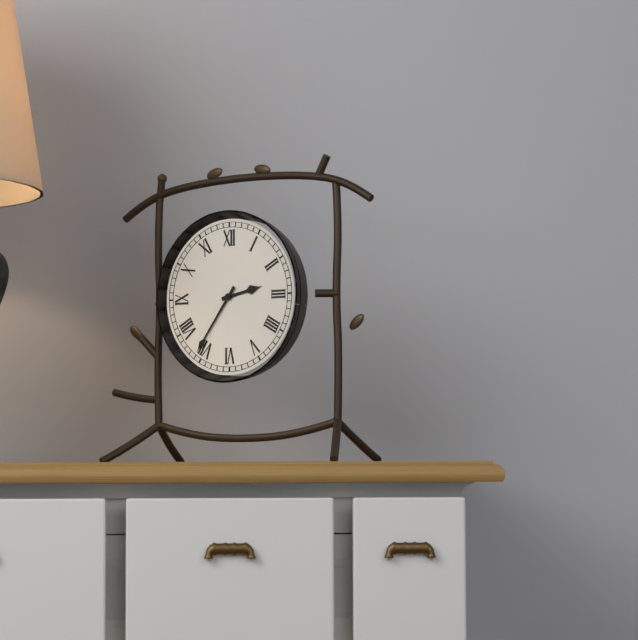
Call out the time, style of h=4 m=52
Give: h=2 m=36
